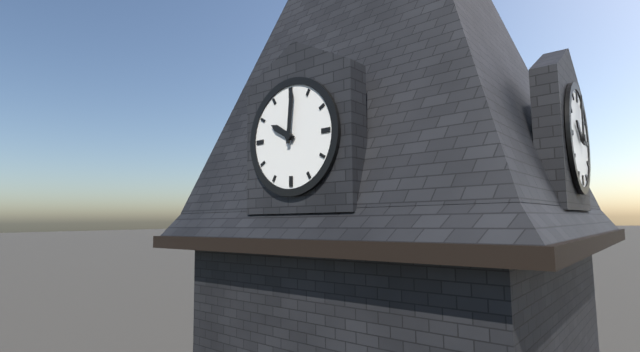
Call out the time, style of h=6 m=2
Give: h=10 m=1
